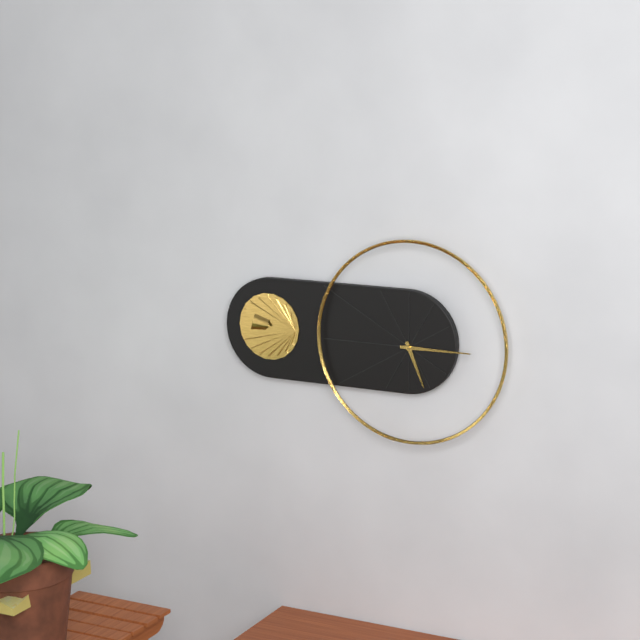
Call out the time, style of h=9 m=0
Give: h=5 m=15
